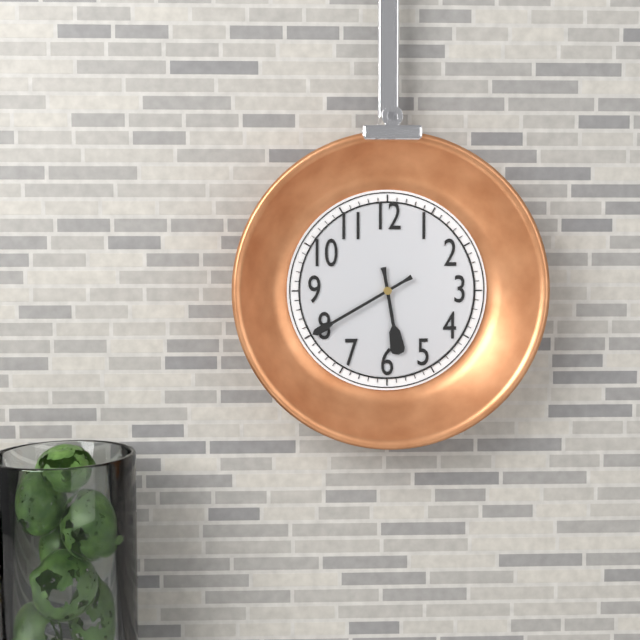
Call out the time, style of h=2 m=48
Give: h=5 m=40
